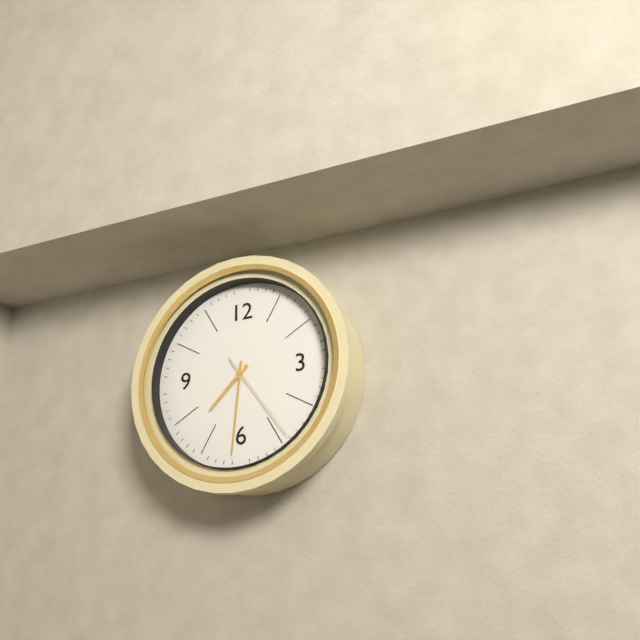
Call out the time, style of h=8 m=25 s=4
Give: h=7 m=31 s=24
